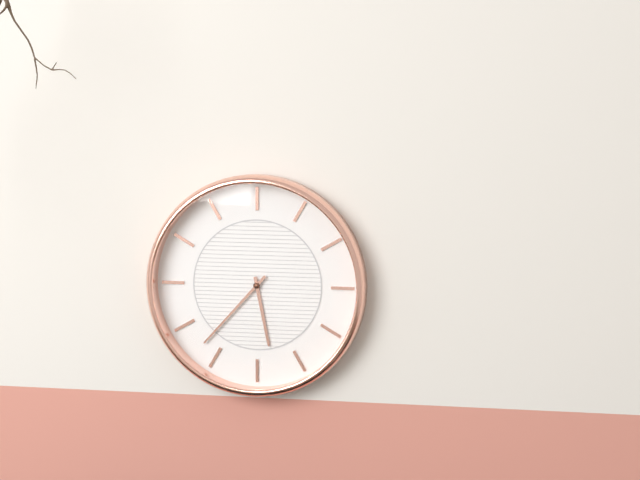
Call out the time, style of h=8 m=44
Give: h=5 m=37
